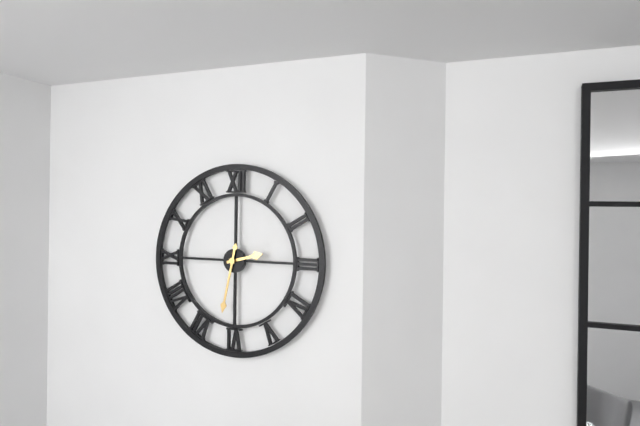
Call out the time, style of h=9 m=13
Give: h=2 m=32
